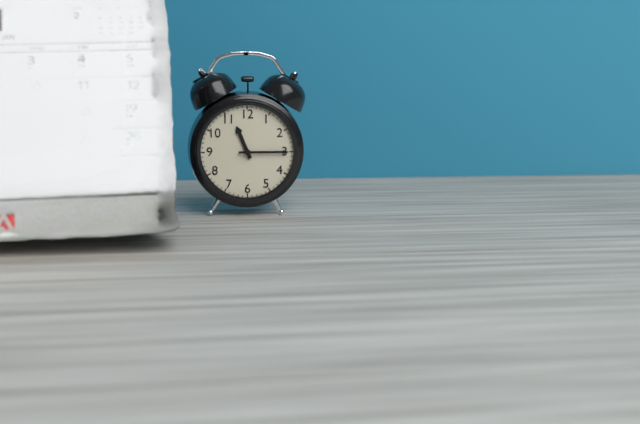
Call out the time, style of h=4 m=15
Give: h=11 m=15
